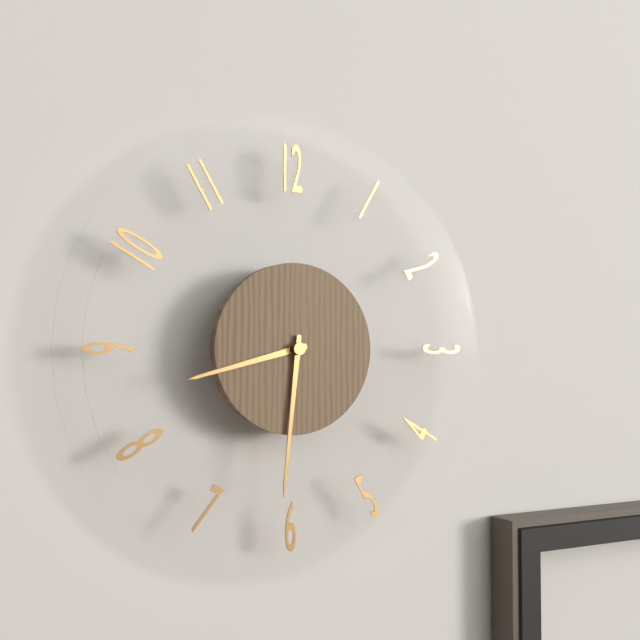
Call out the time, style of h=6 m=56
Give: h=8 m=31
